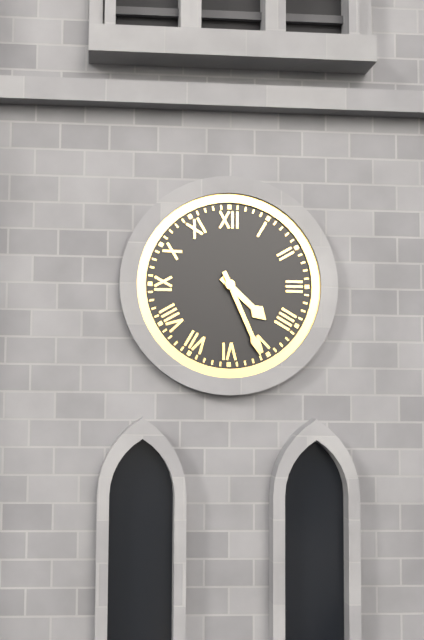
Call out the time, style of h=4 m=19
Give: h=4 m=26
